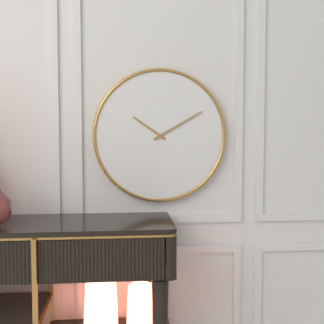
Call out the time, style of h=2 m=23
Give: h=10 m=10
